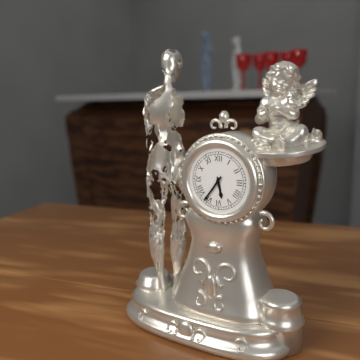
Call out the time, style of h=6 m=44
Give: h=5 m=36
